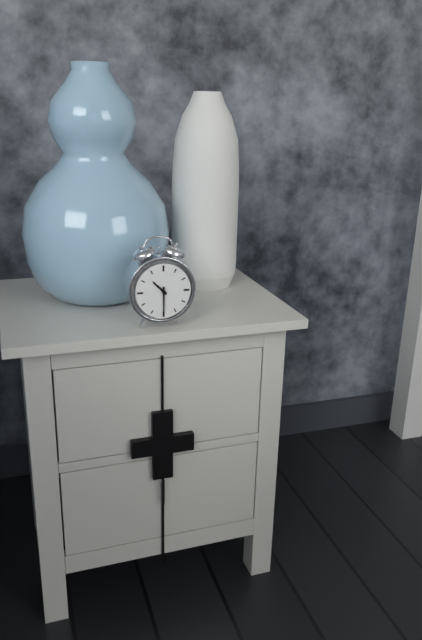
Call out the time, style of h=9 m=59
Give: h=10 m=30
